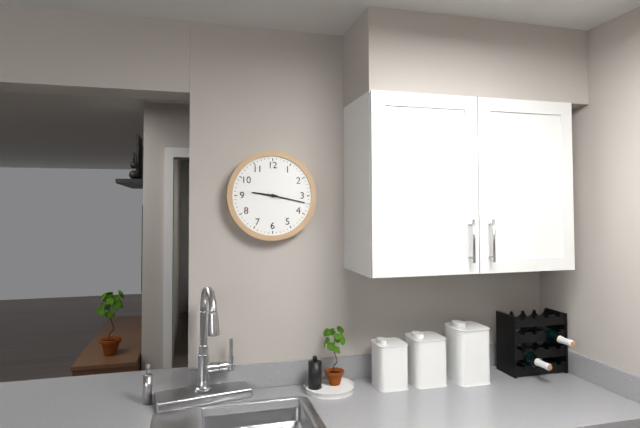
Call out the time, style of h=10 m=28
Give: h=9 m=17
